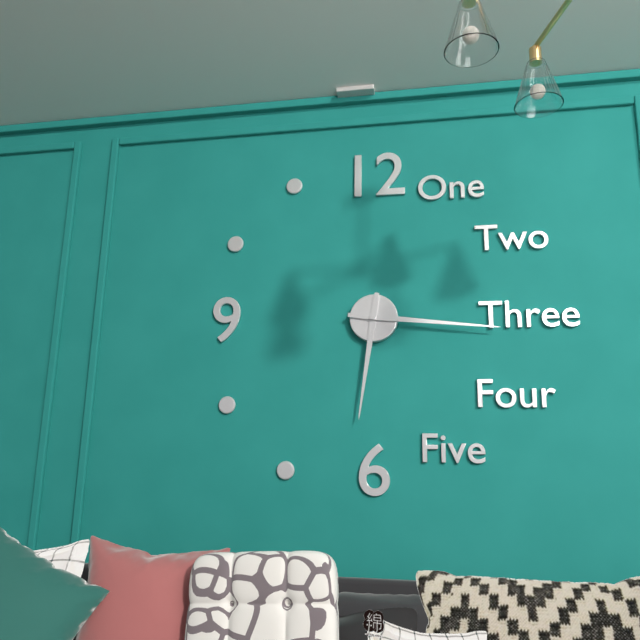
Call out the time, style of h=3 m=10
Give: h=6 m=16
